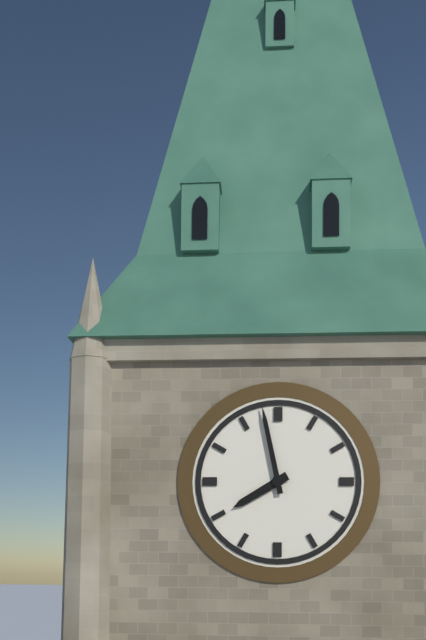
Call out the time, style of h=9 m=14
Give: h=7 m=58
